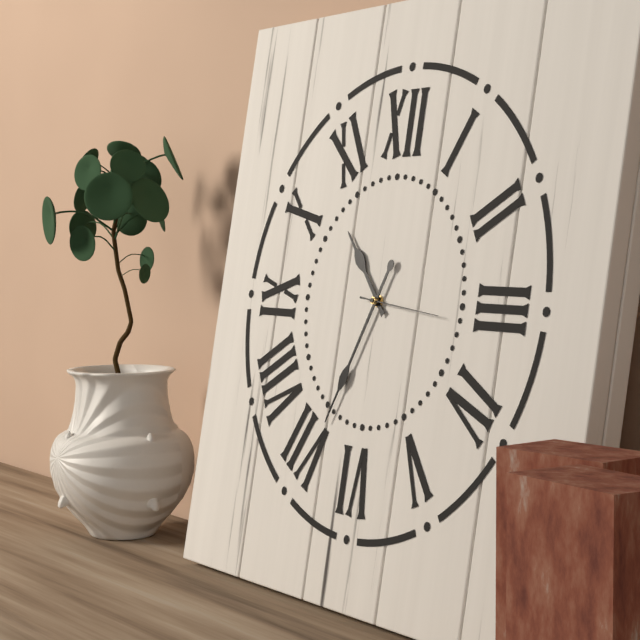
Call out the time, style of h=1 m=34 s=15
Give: h=10 m=34 s=16
